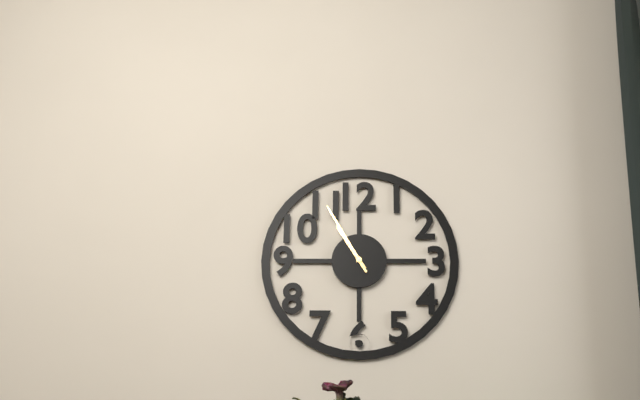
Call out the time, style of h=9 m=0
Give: h=10 m=55
